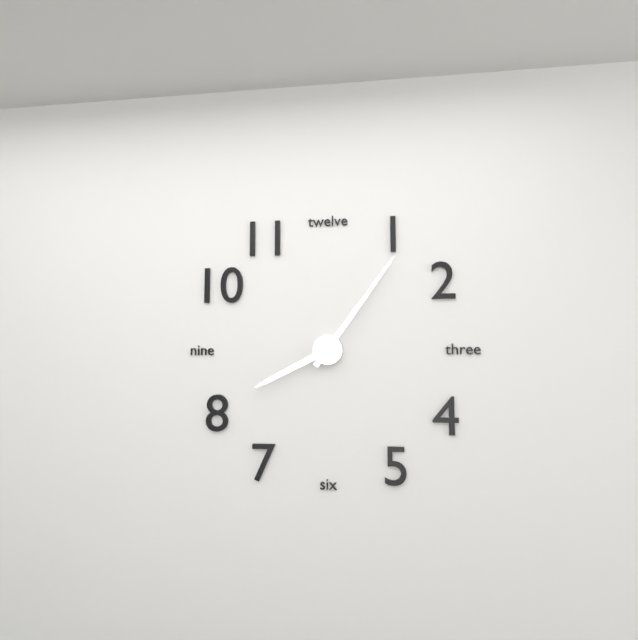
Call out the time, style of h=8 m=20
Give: h=8 m=6
